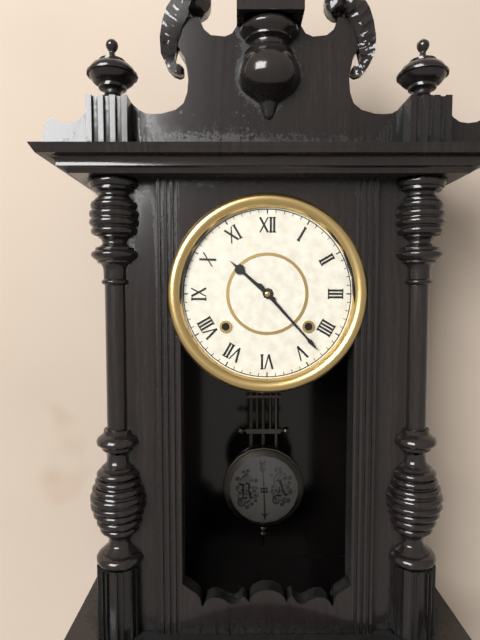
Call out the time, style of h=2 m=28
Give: h=10 m=23
